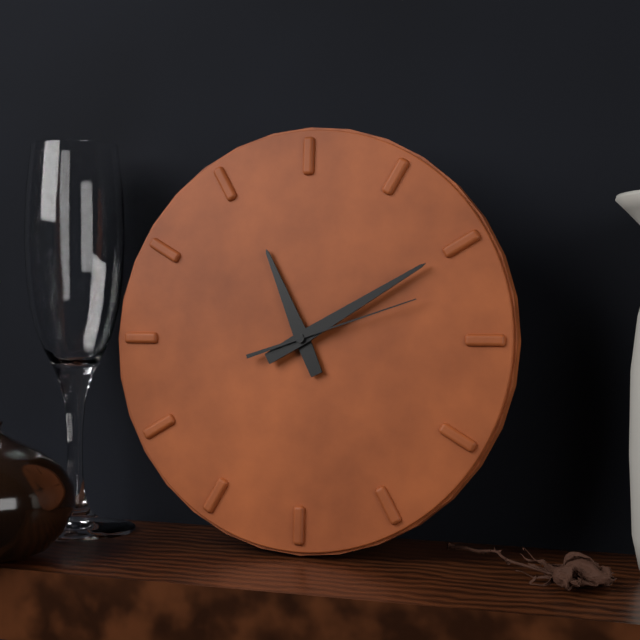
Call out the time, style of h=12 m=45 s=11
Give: h=11 m=10 s=12
